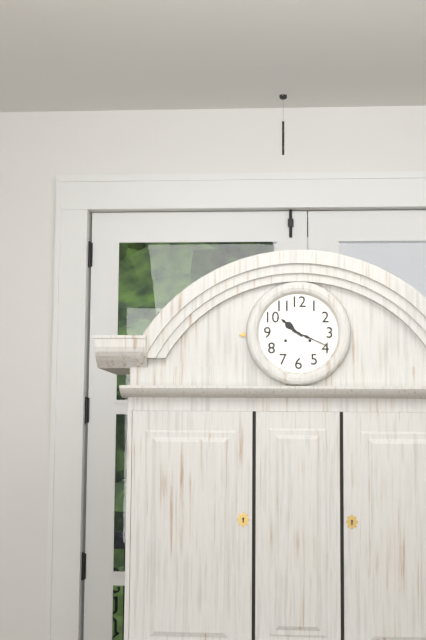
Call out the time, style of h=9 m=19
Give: h=10 m=19
